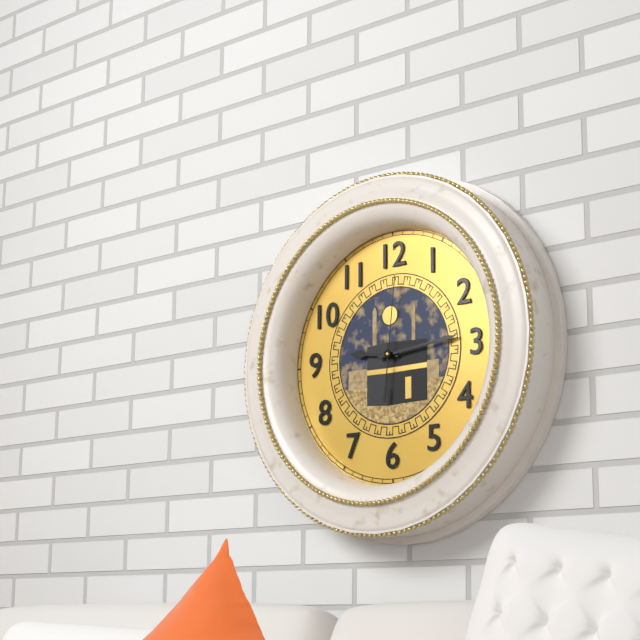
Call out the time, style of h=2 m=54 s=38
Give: h=9 m=14 s=1
